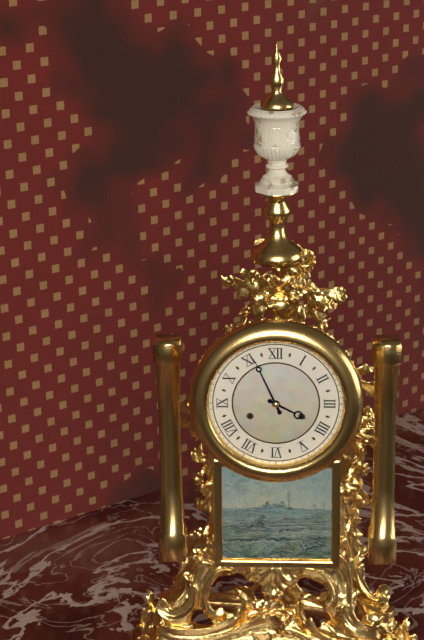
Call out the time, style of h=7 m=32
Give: h=3 m=56
